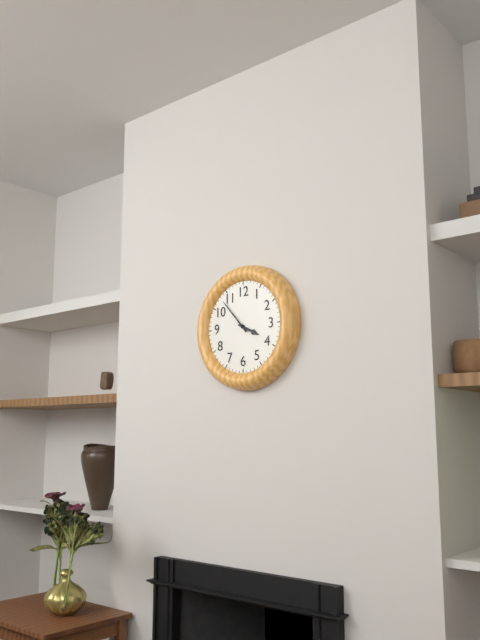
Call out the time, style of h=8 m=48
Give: h=3 m=53
